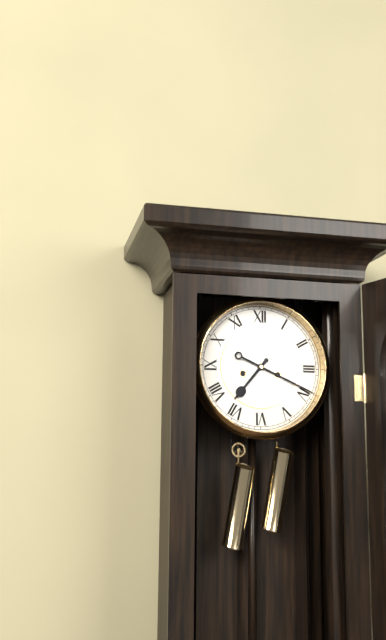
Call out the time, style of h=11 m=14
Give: h=7 m=19
